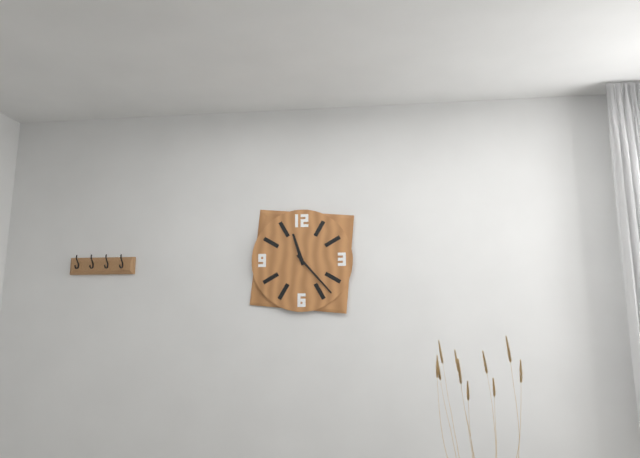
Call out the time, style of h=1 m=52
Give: h=11 m=23
